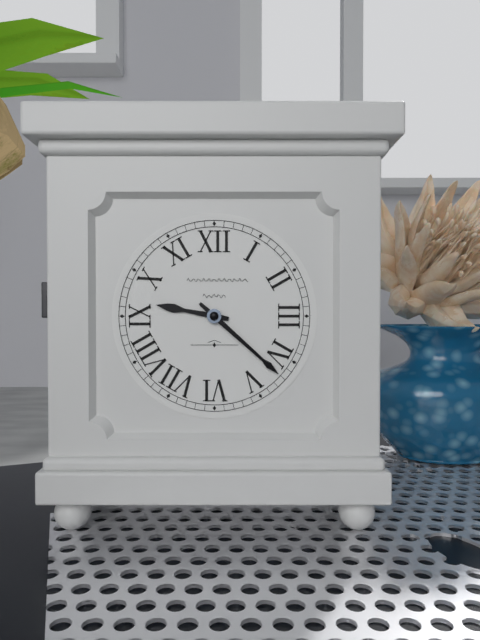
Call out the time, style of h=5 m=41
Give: h=9 m=22
